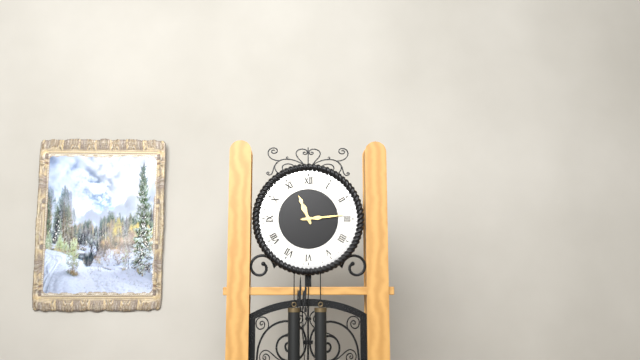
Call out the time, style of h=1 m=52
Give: h=11 m=14
